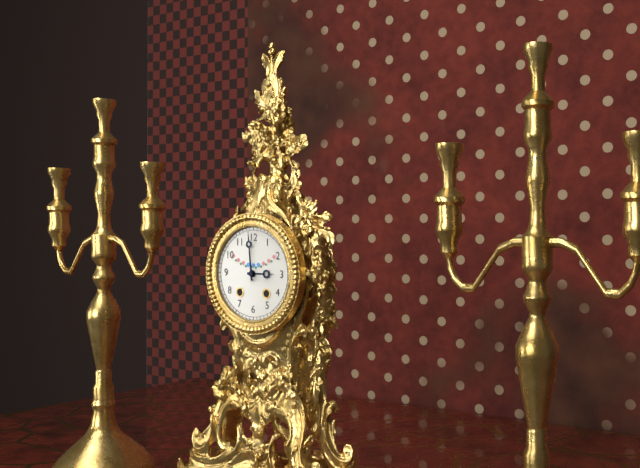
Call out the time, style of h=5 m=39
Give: h=2 m=59
